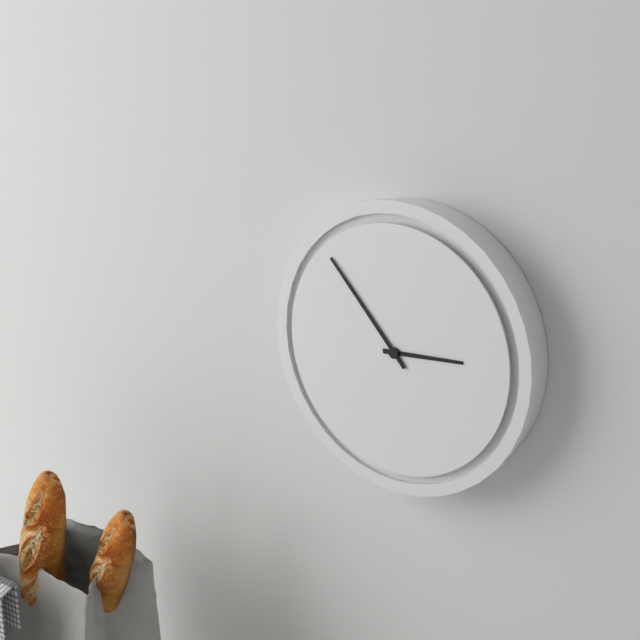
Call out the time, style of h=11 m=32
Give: h=2 m=53
